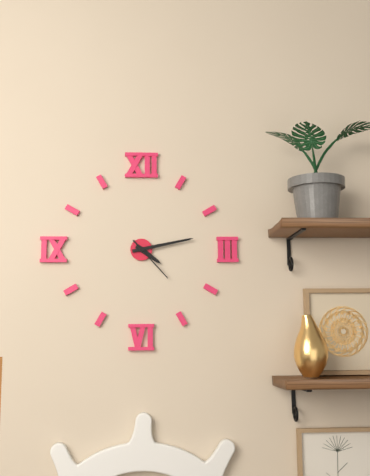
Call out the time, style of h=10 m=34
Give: h=4 m=13
